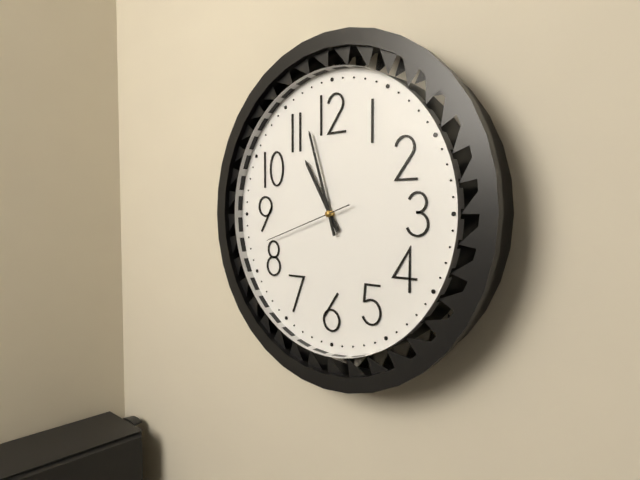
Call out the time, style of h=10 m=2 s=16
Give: h=10 m=57 s=42
